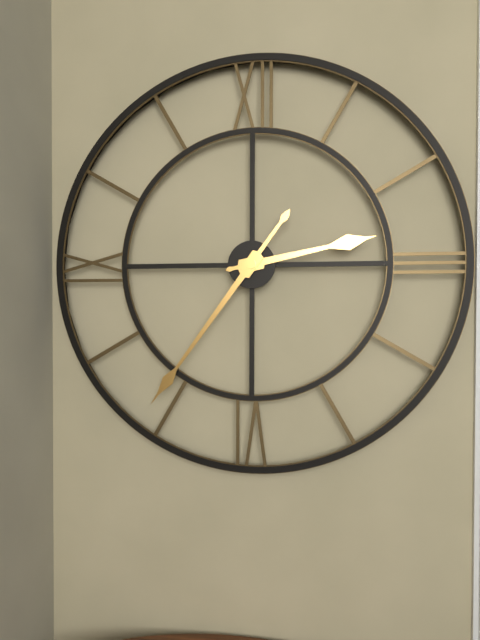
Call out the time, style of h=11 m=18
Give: h=2 m=36
